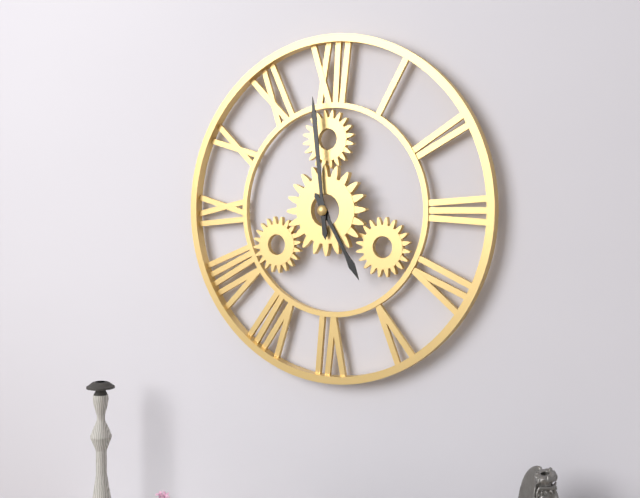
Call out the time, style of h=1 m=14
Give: h=4 m=59
